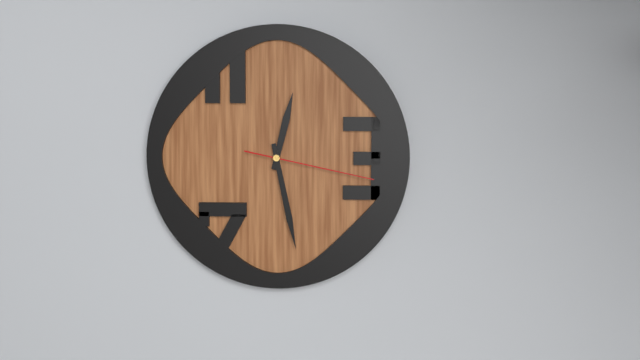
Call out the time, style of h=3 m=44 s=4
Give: h=12 m=28 s=17
